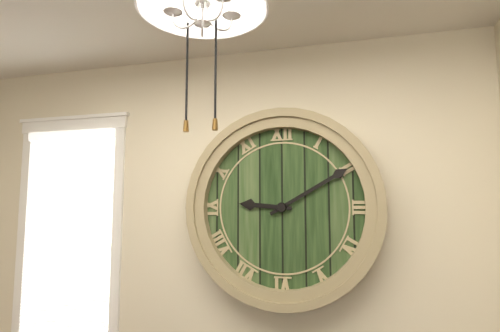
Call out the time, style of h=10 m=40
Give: h=9 m=10
